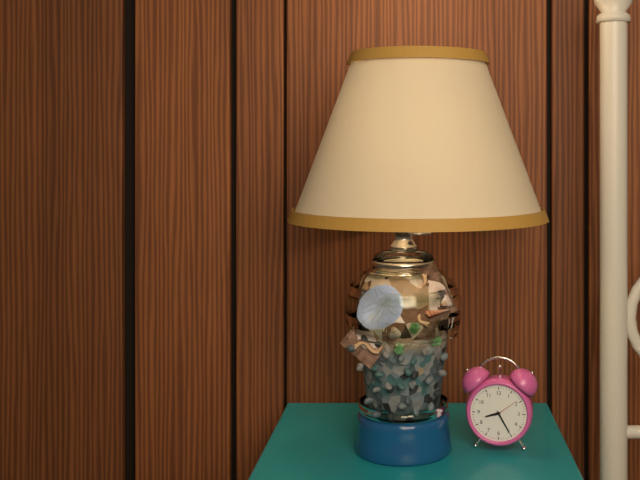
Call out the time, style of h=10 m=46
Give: h=8 m=25
